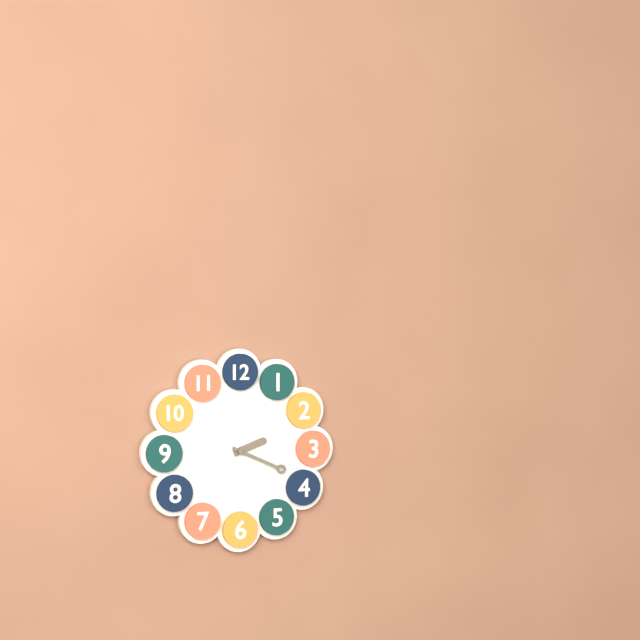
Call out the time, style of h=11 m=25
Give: h=2 m=19
